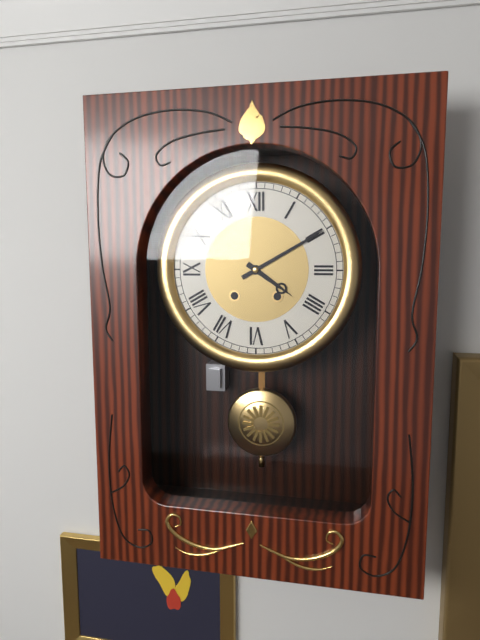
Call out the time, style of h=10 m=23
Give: h=4 m=10
